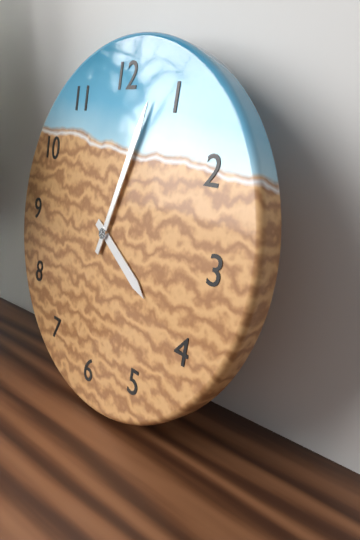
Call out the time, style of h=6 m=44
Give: h=4 m=3
